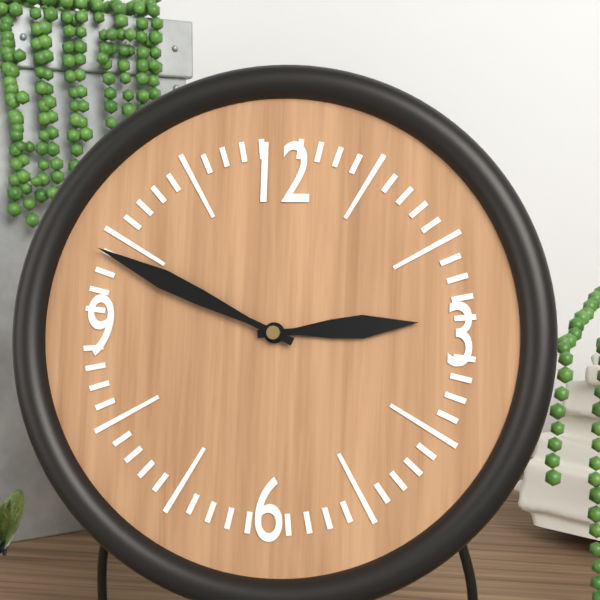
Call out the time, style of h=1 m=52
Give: h=2 m=49
